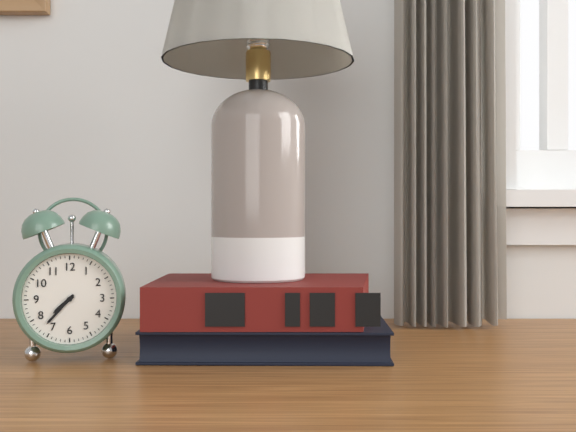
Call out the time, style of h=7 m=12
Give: h=7 m=37
